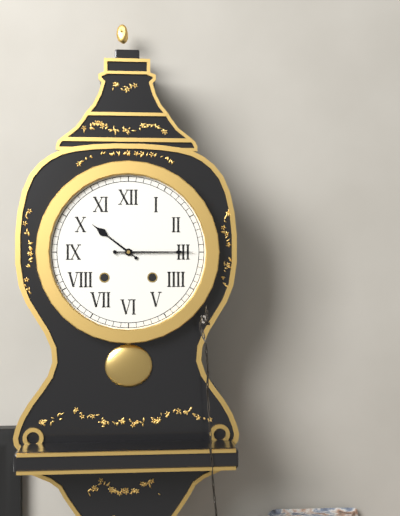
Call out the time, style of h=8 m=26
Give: h=10 m=15
